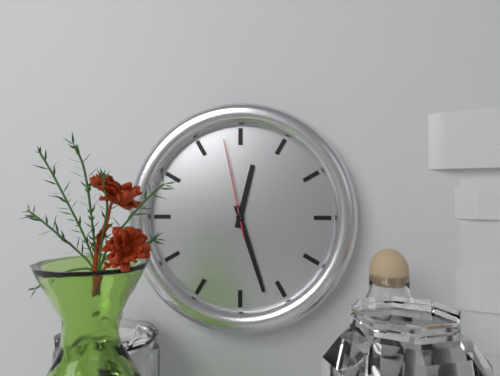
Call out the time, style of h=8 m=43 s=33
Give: h=12 m=27 s=58
